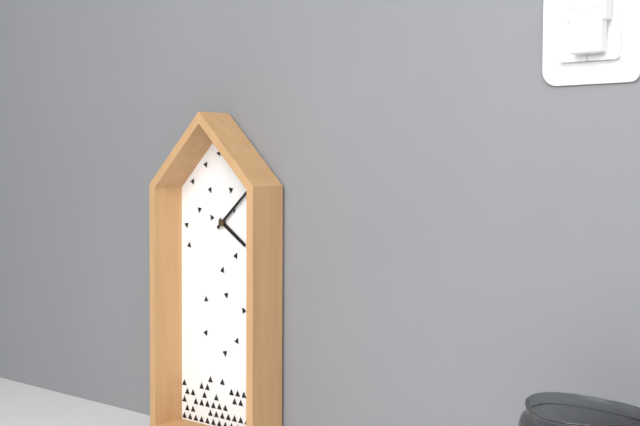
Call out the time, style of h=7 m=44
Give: h=4 m=8
